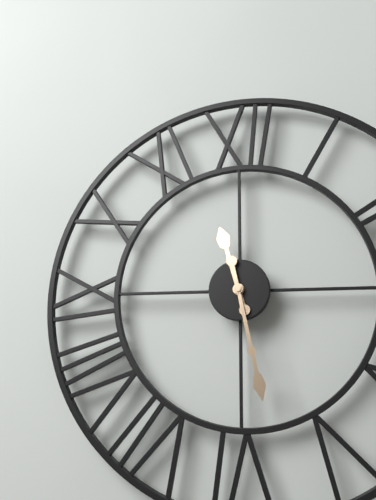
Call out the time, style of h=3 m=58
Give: h=11 m=28
